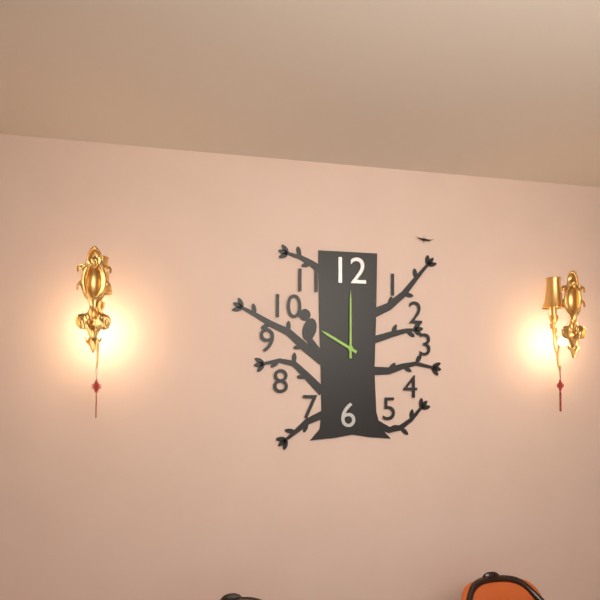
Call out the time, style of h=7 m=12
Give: h=10 m=0
